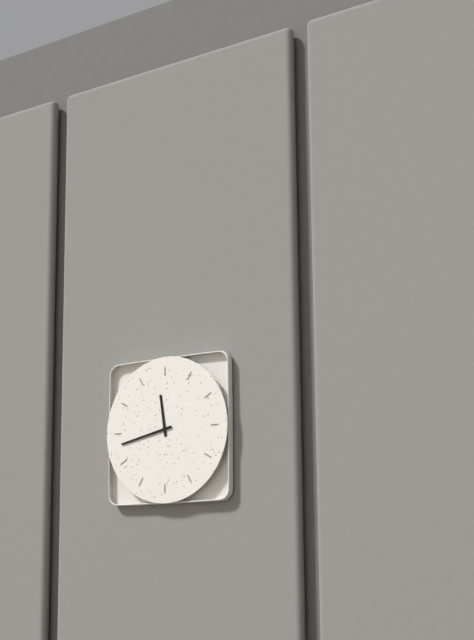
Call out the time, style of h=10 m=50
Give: h=11 m=43
